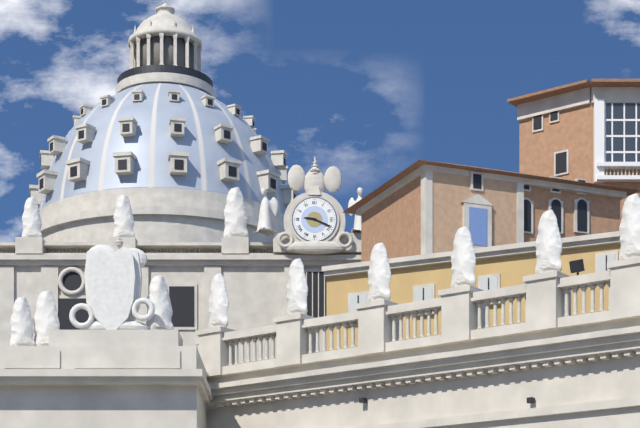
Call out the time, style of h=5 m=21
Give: h=9 m=19
